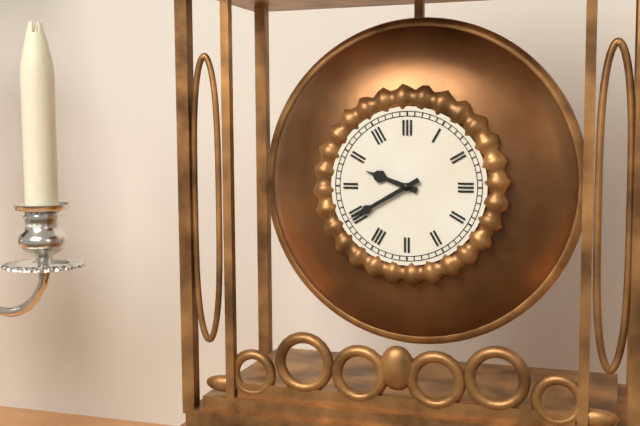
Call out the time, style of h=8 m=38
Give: h=9 m=40
